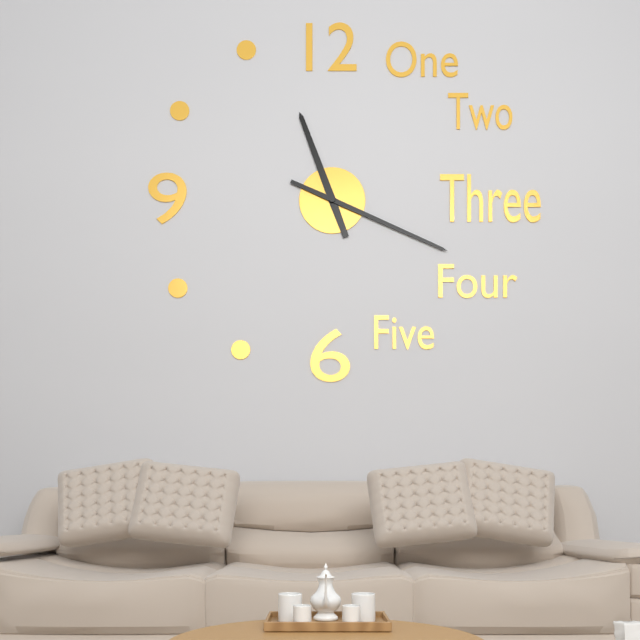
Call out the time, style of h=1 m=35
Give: h=11 m=19
